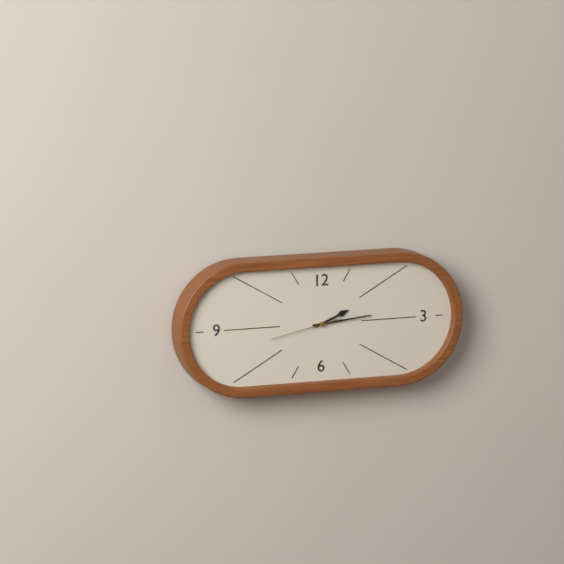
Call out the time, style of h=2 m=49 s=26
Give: h=2 m=14 s=43
